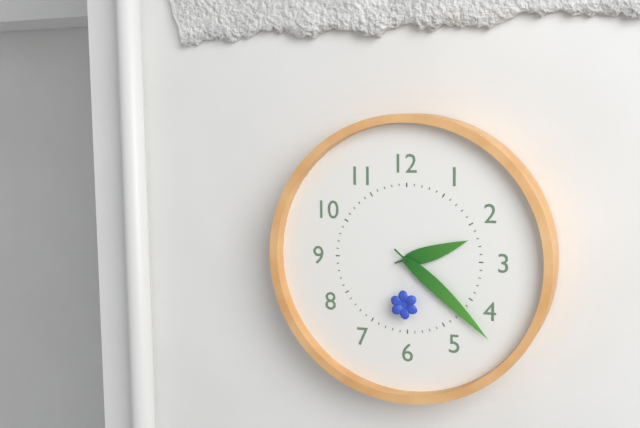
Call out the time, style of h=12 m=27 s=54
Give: h=2 m=22 s=30
